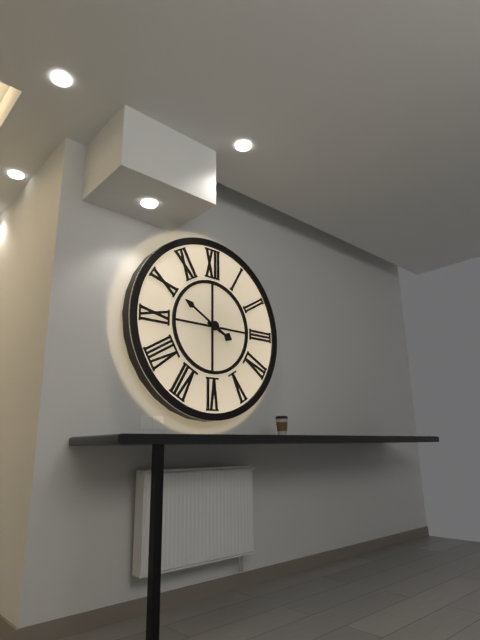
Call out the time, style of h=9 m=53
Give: h=3 m=50
